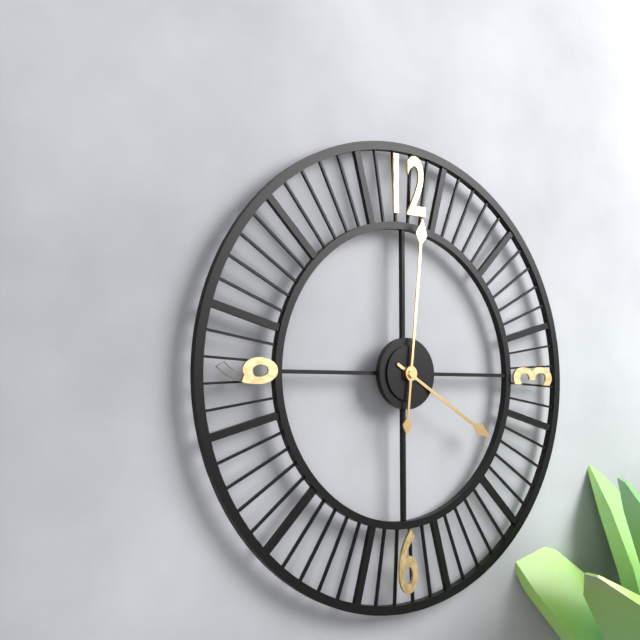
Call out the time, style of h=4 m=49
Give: h=4 m=1
